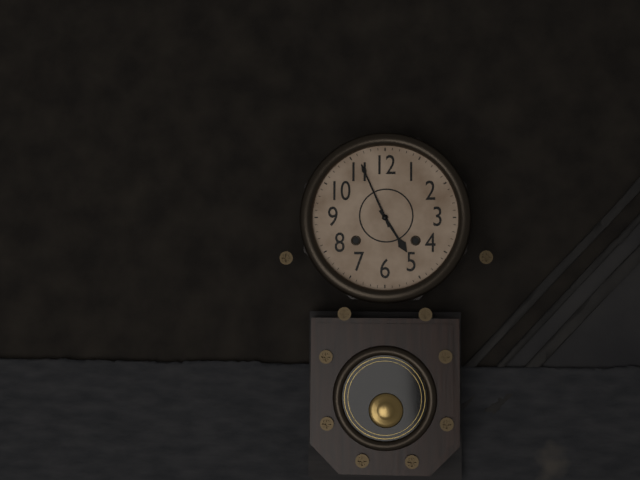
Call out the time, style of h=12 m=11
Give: h=4 m=56
